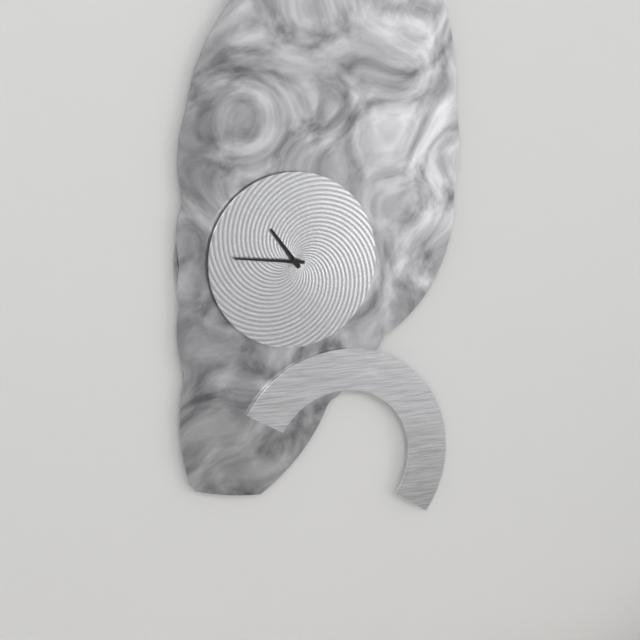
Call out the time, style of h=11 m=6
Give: h=10 m=46
